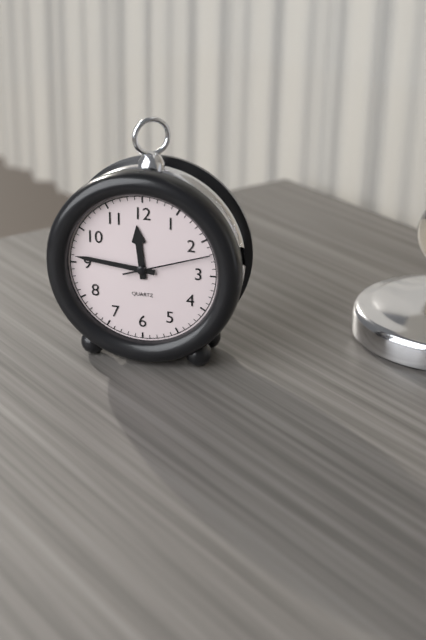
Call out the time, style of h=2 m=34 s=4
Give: h=11 m=46 s=12
